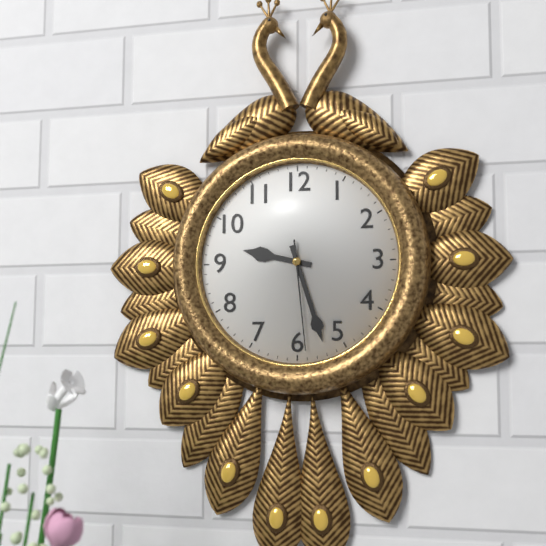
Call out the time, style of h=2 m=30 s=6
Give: h=9 m=27 s=29
